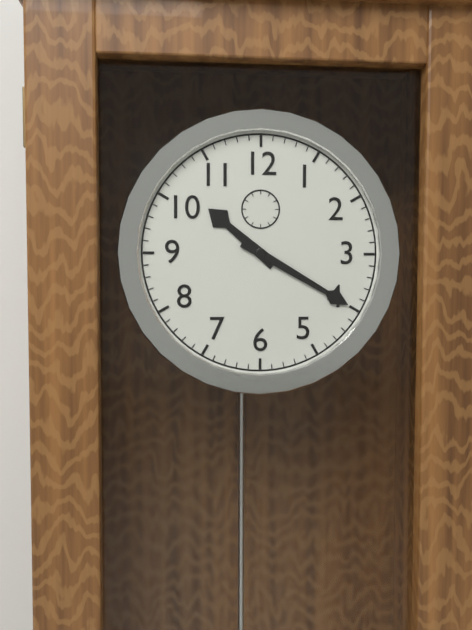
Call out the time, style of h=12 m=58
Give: h=10 m=20
